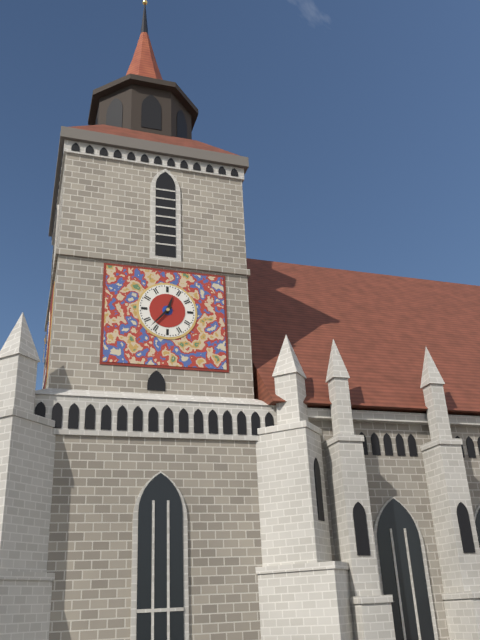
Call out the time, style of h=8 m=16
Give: h=12 m=37
